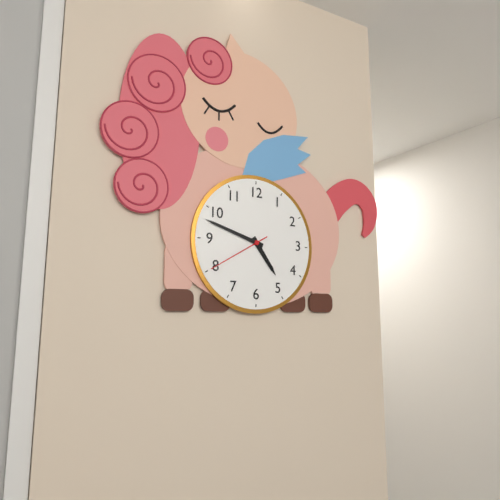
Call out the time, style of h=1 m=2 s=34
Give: h=4 m=48 s=40
